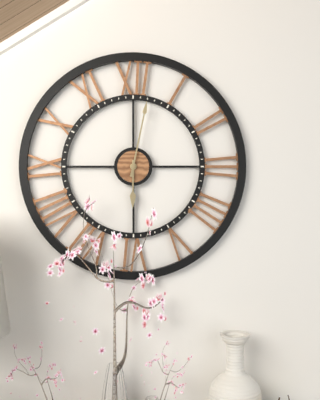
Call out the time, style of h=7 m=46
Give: h=6 m=2
